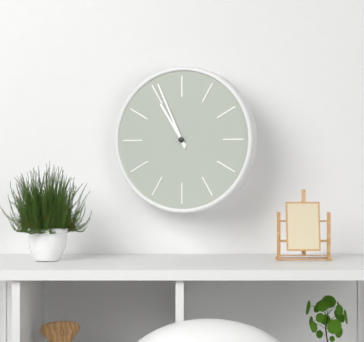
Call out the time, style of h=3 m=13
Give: h=10 m=56
